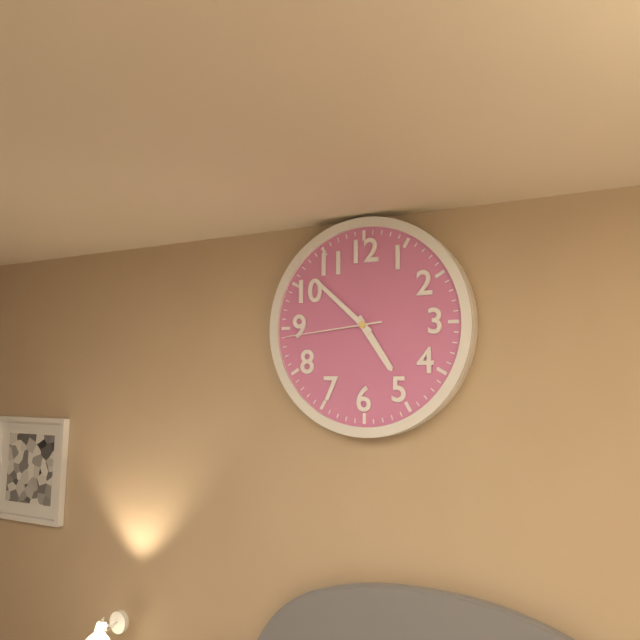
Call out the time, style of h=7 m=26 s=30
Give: h=4 m=52 s=44
